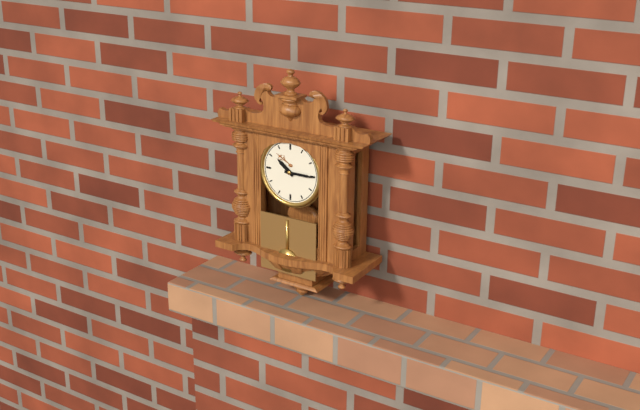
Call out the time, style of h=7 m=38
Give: h=10 m=15
